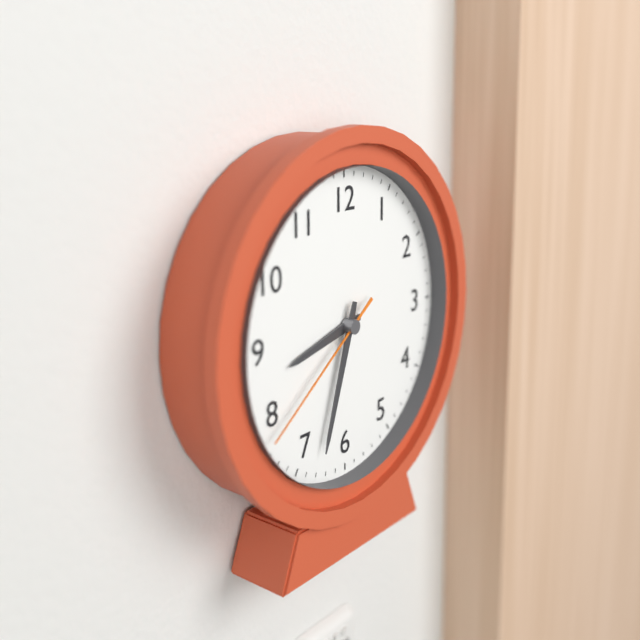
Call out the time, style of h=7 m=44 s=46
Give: h=8 m=33 s=39
